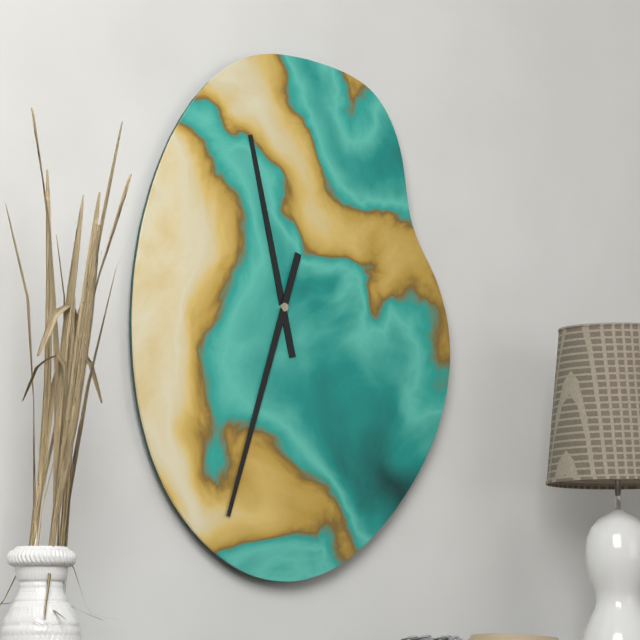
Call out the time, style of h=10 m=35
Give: h=11 m=33
